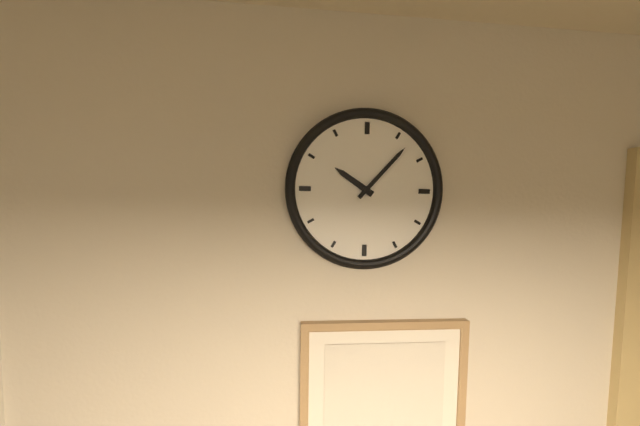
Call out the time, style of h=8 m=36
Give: h=10 m=7
